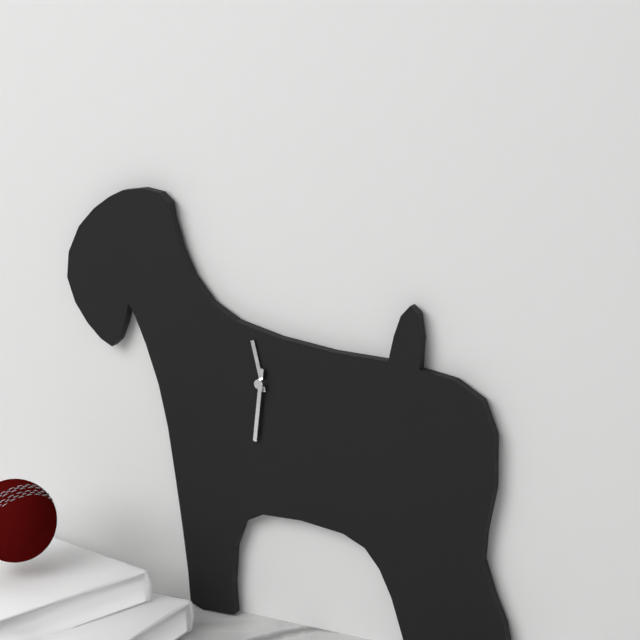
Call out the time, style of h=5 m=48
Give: h=11 m=31
